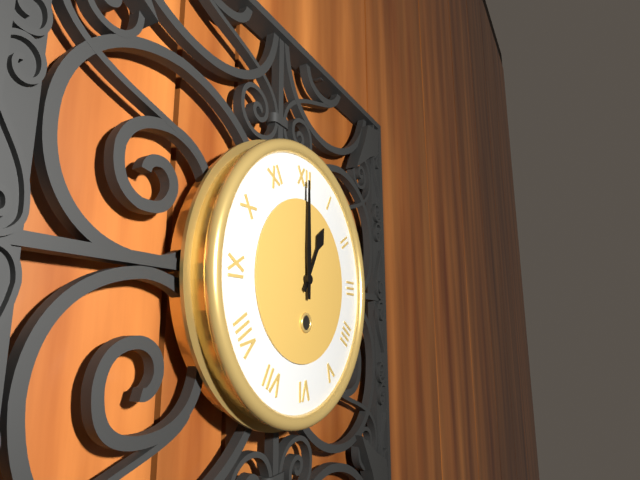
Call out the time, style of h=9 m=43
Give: h=1 m=0
